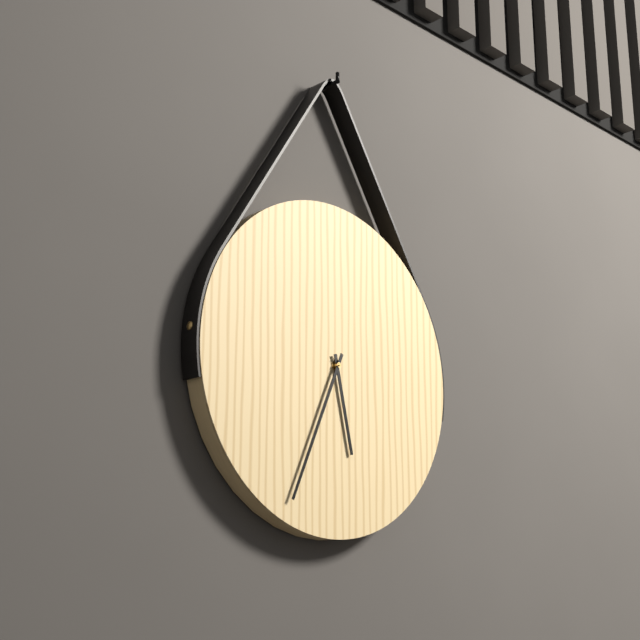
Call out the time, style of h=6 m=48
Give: h=5 m=34
